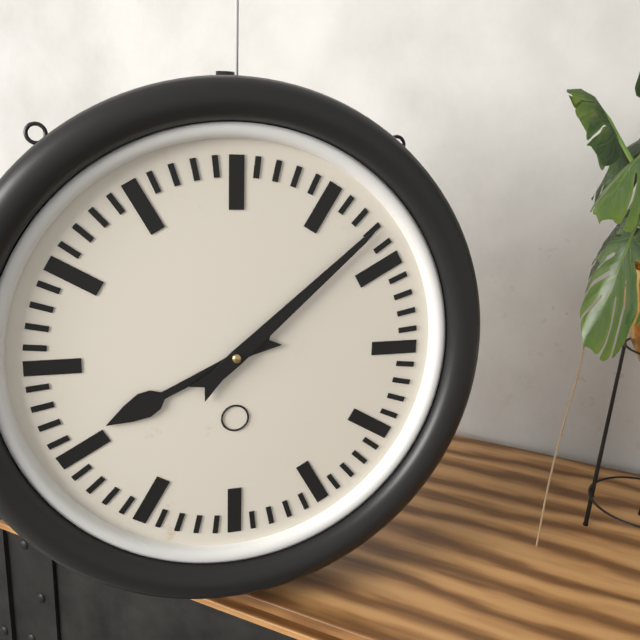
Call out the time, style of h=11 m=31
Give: h=8 m=8
